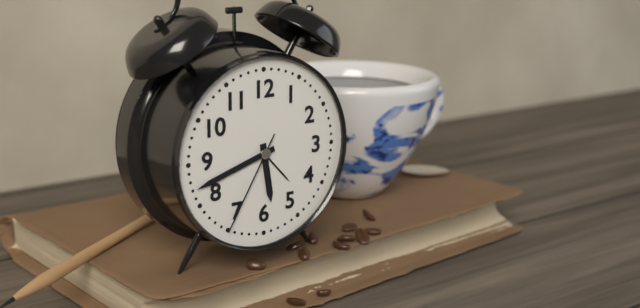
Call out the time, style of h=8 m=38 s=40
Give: h=5 m=42 s=35
